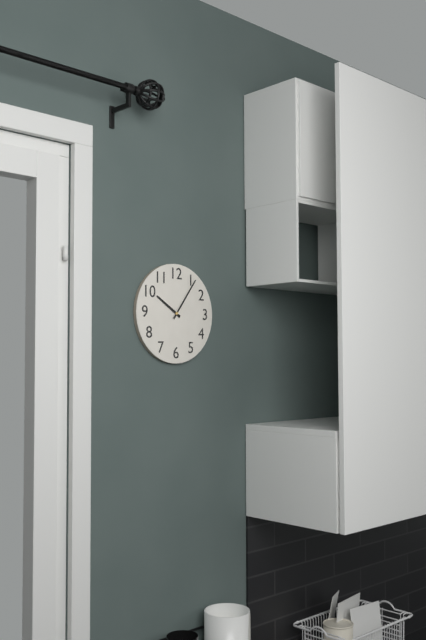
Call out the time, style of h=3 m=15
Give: h=10 m=6
